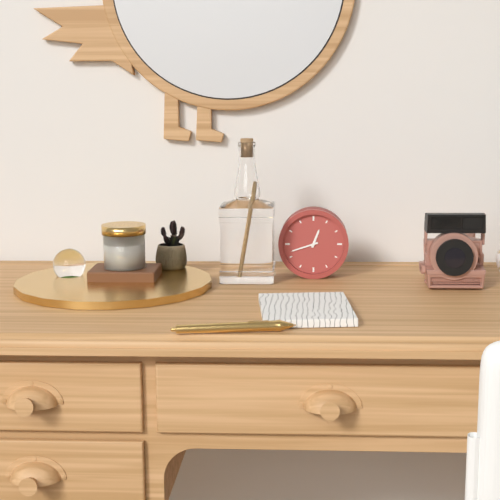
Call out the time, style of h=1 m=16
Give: h=12 m=42
